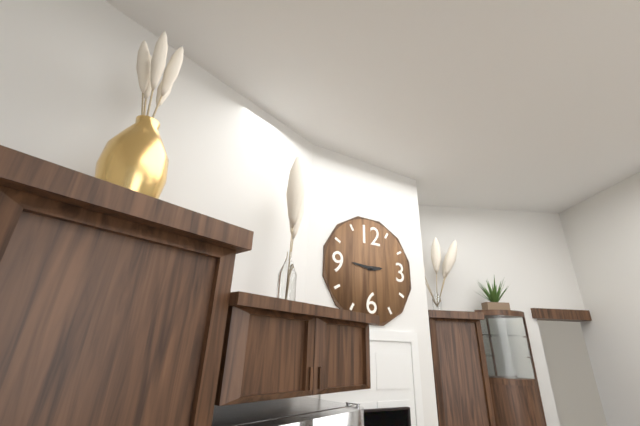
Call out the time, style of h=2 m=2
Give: h=2 m=46
